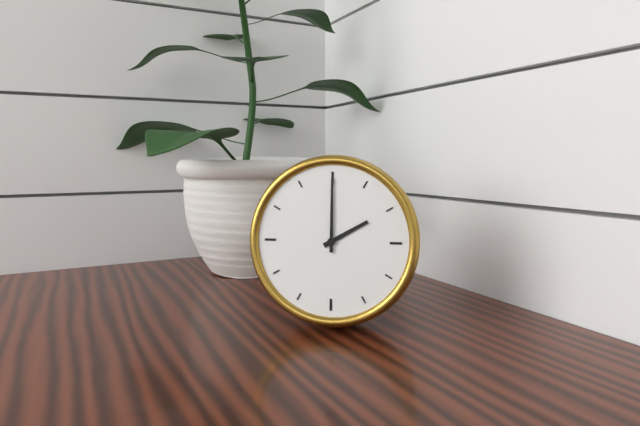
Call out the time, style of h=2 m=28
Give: h=2 m=0
